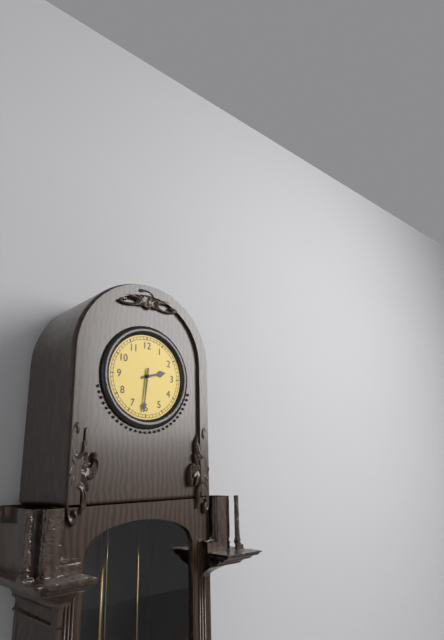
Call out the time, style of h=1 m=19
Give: h=2 m=31
